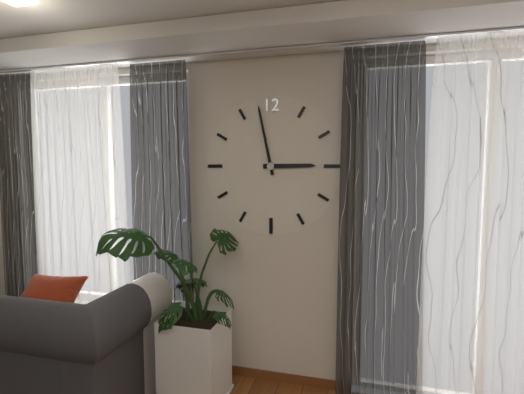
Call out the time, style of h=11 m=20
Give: h=2 m=58
